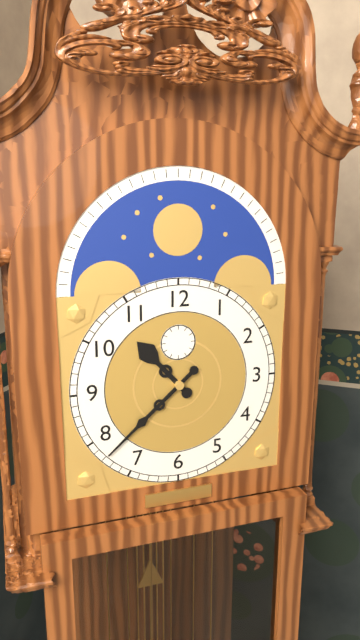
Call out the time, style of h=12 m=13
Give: h=10 m=38
